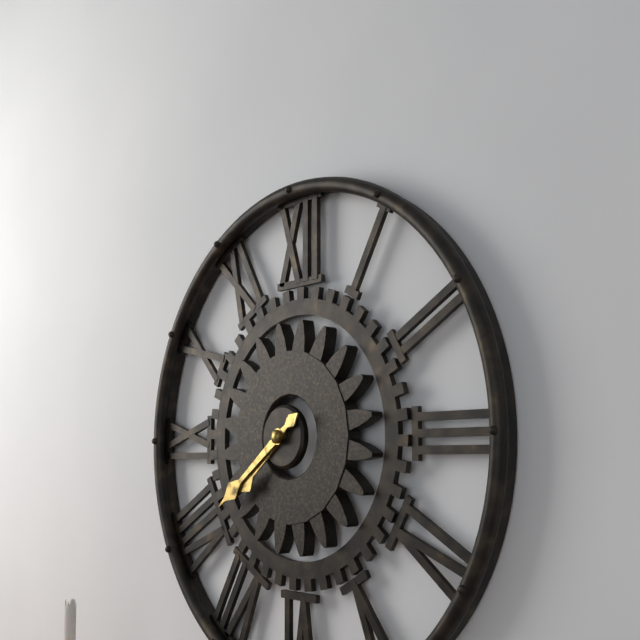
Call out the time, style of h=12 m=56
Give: h=7 m=39
